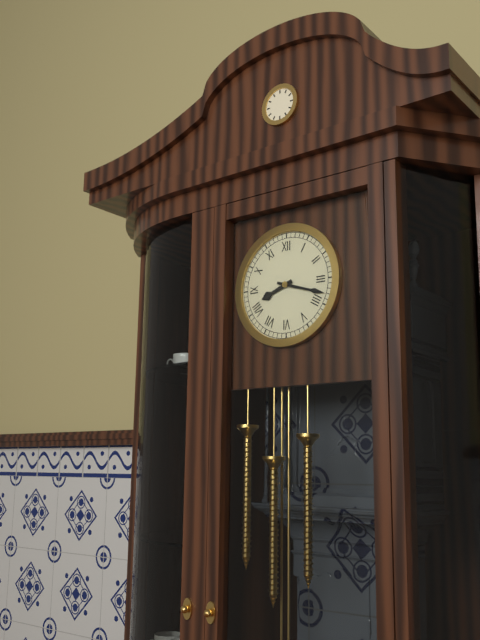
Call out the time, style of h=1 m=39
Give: h=8 m=18
